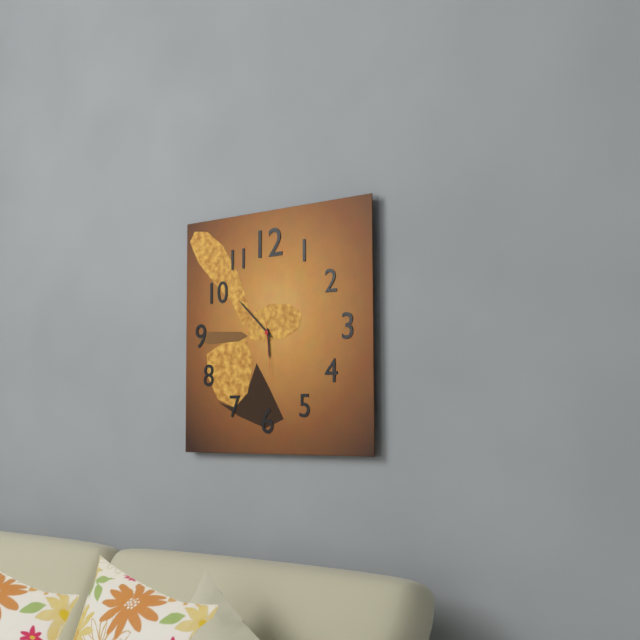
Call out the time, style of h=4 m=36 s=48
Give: h=5 m=52 s=29
